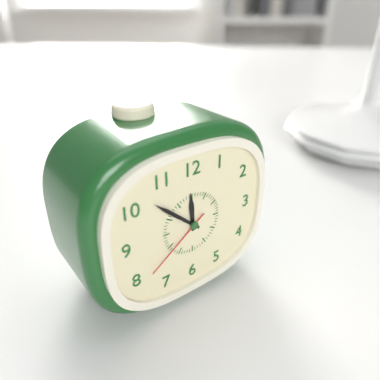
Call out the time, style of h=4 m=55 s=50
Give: h=11 m=52 s=39
